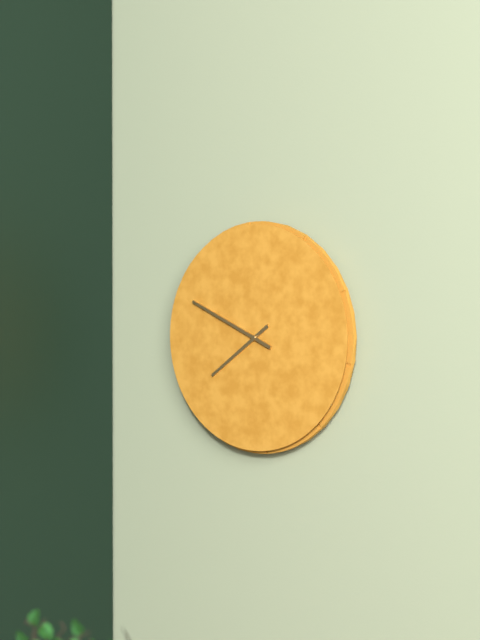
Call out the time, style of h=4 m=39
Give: h=7 m=49
